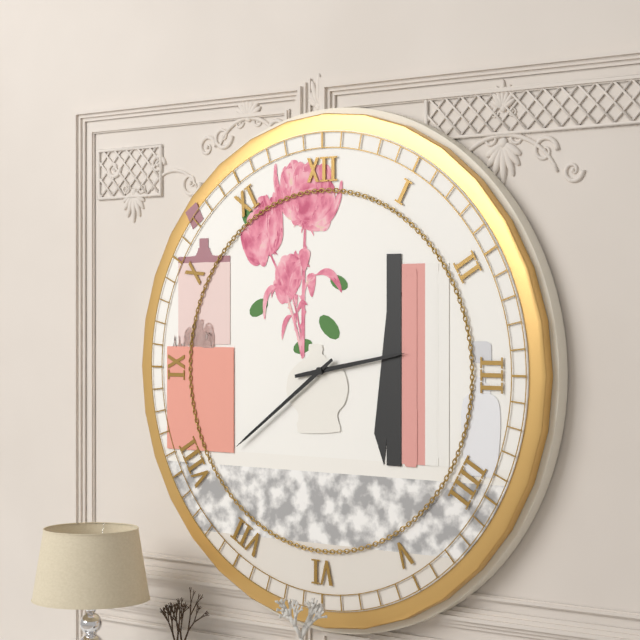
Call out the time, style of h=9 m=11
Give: h=2 m=39
